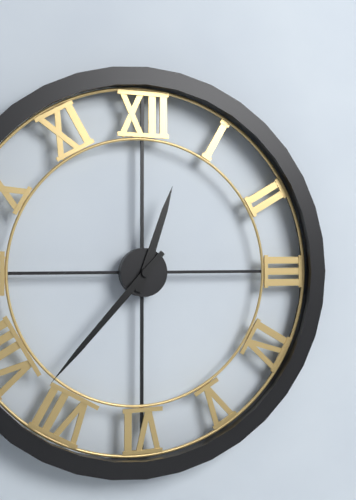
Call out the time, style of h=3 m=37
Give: h=12 m=37
